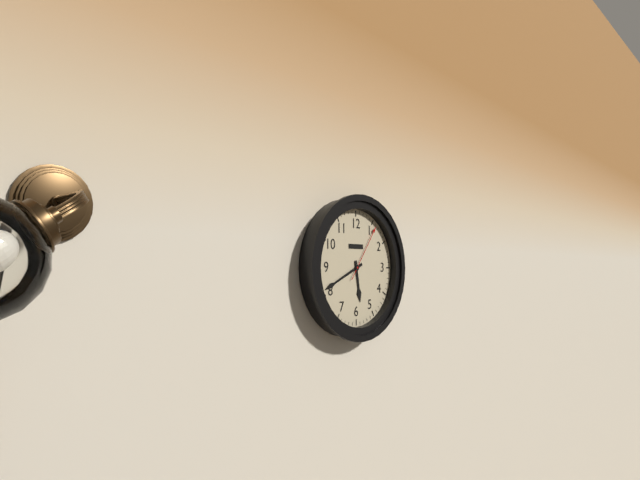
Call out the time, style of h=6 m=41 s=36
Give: h=5 m=41 s=6
